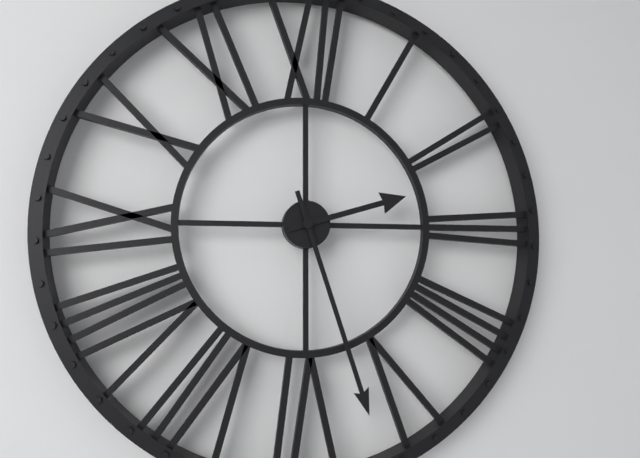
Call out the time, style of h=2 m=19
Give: h=2 m=27
